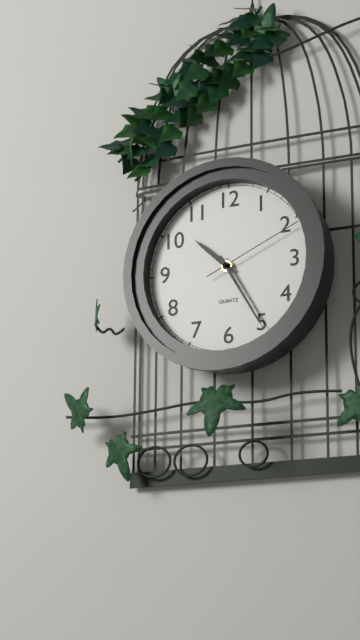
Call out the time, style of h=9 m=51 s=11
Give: h=10 m=25 s=11
